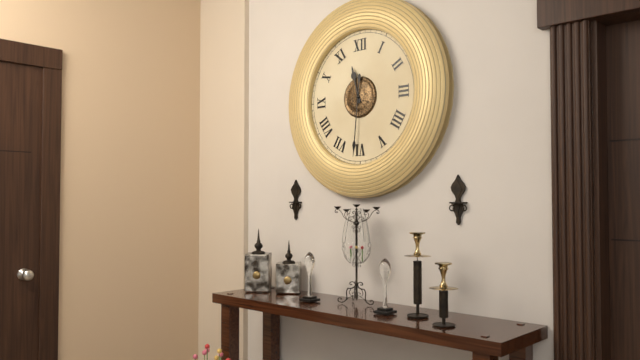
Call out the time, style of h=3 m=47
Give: h=11 m=31
